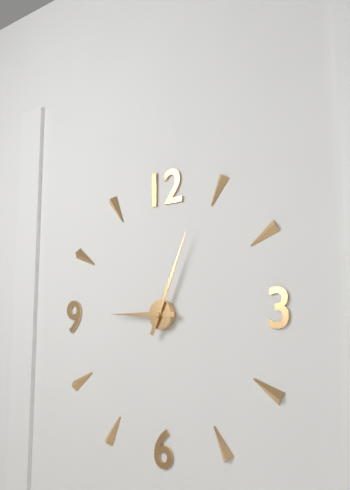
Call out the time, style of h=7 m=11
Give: h=9 m=4
